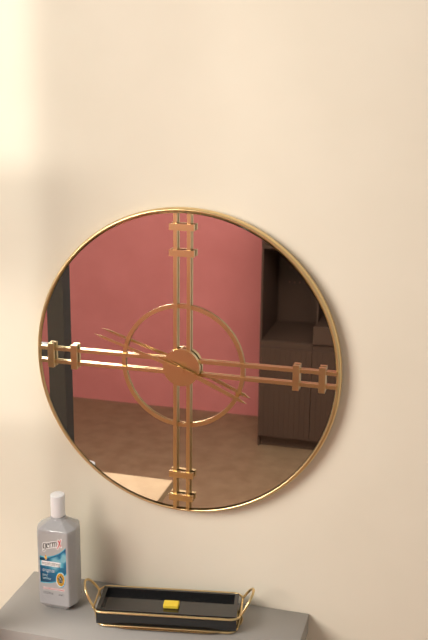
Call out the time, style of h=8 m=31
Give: h=3 m=48
